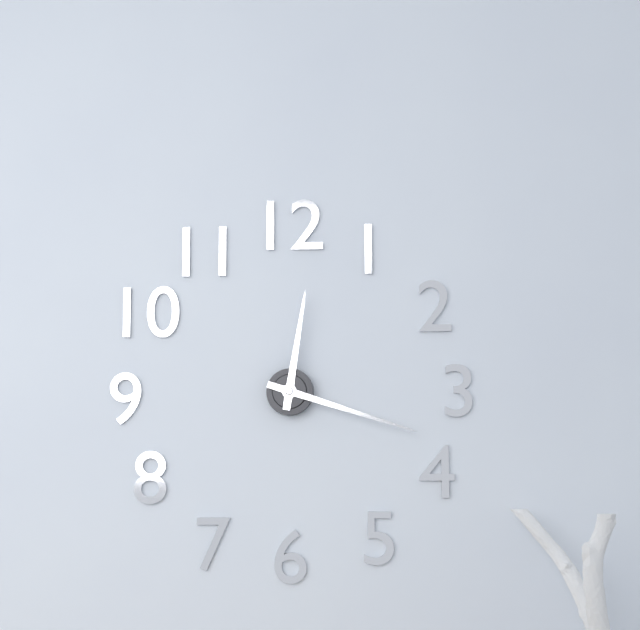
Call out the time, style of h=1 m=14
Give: h=12 m=18
